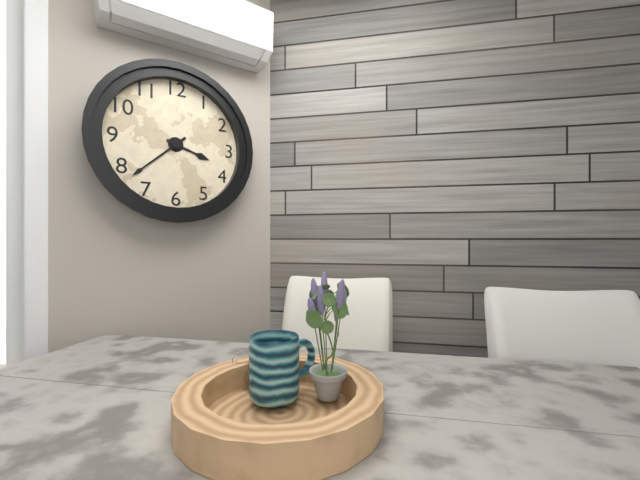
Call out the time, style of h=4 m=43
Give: h=3 m=38
